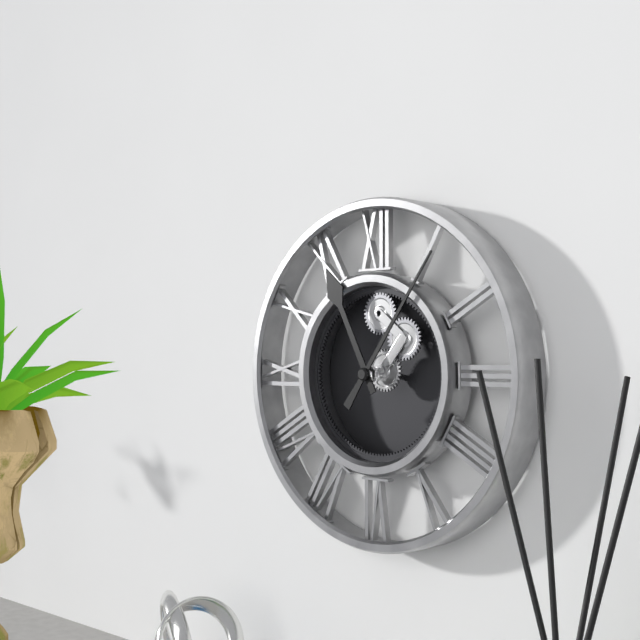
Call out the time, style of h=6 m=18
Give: h=11 m=6
